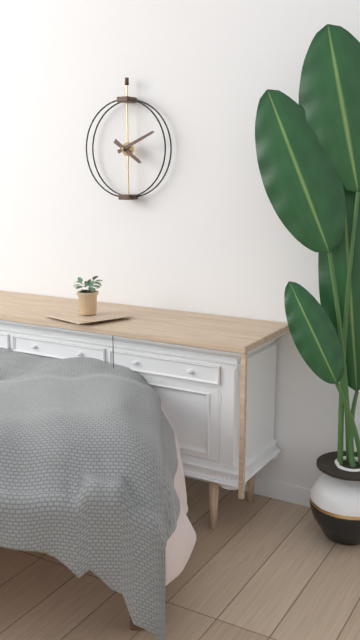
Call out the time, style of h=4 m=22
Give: h=4 m=11
